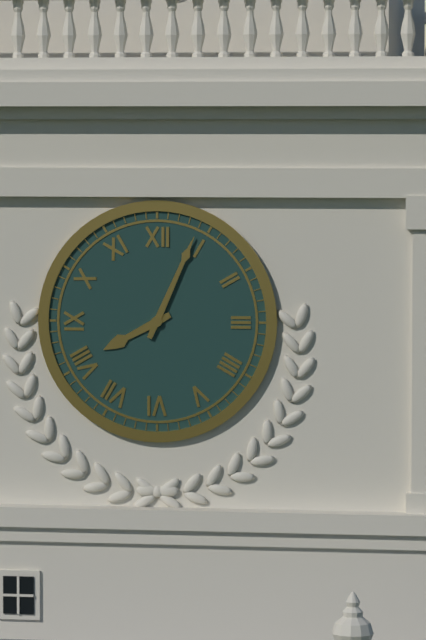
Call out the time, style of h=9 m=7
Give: h=8 m=4
